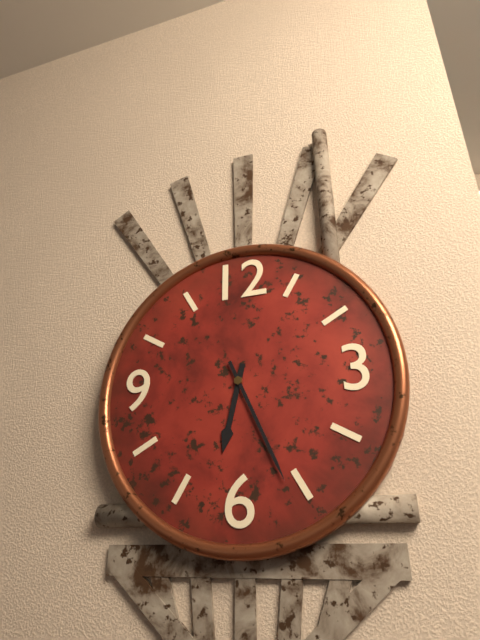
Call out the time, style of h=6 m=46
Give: h=6 m=26
